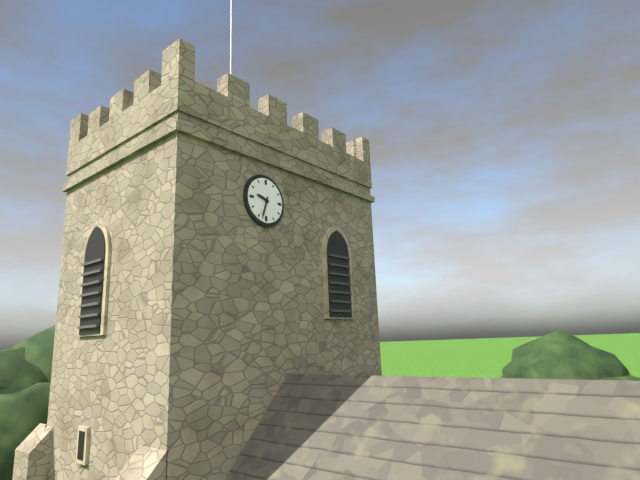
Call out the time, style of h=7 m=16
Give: h=9 m=33
